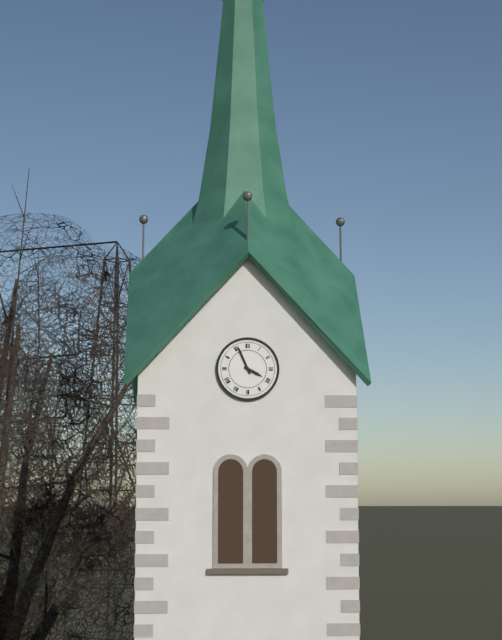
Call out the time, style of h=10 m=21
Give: h=3 m=56
